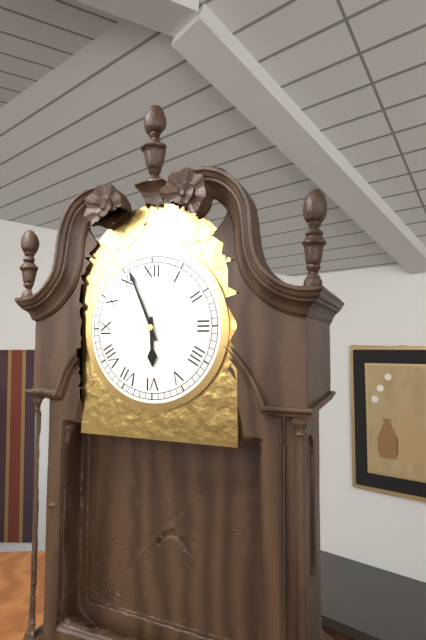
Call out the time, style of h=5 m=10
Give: h=5 m=56
